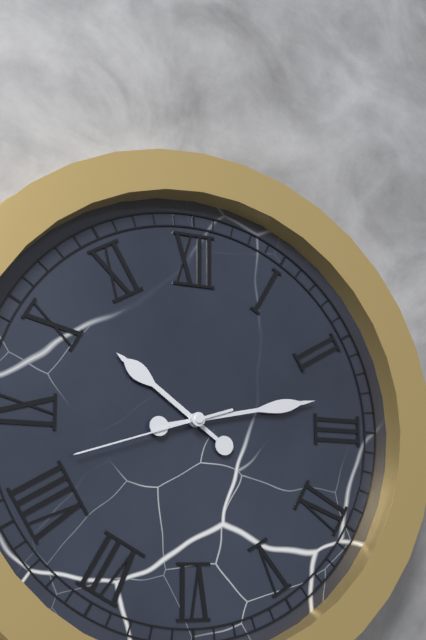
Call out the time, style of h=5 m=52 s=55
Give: h=10 m=13 s=42
